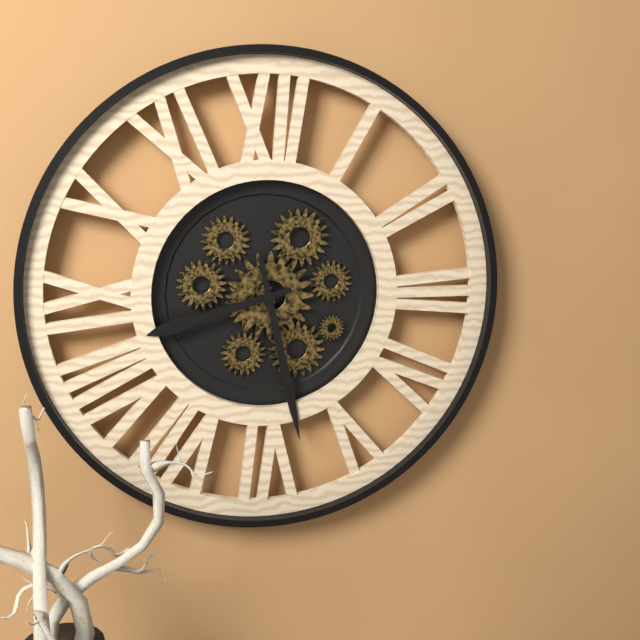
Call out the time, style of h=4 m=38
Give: h=8 m=28
